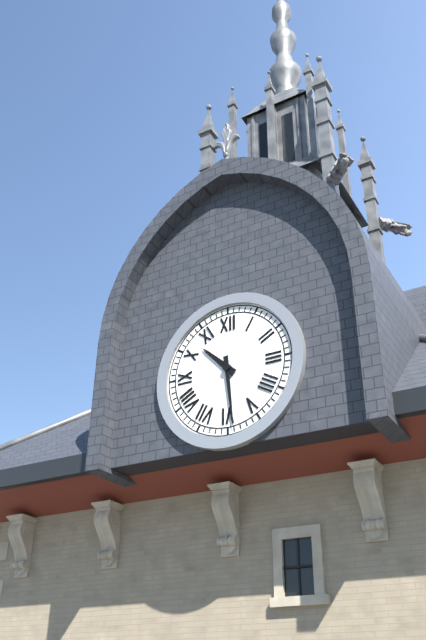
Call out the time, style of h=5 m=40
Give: h=10 m=29
